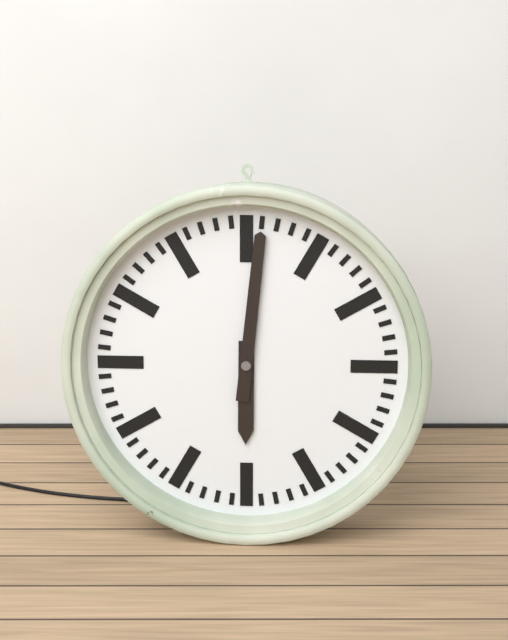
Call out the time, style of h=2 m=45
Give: h=6 m=1
